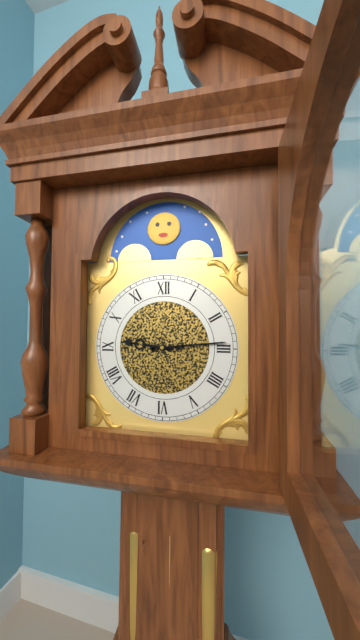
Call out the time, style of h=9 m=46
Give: h=9 m=14
